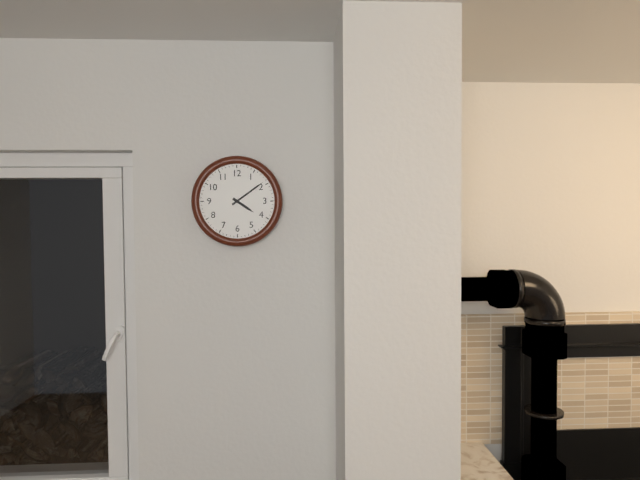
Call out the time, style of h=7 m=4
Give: h=4 m=9
